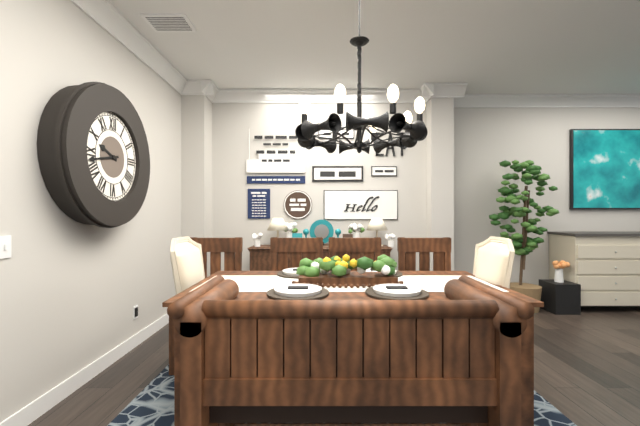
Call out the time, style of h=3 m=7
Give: h=9 m=43
